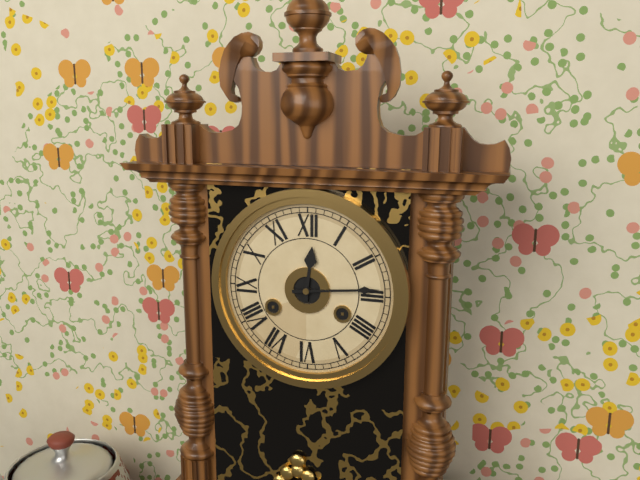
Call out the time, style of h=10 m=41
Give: h=12 m=14
